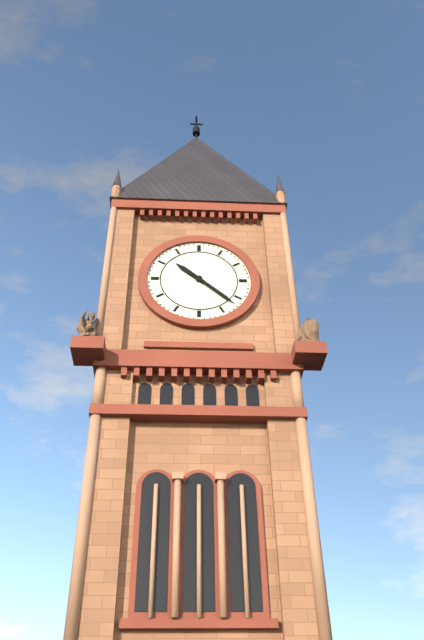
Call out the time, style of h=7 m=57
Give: h=10 m=22
